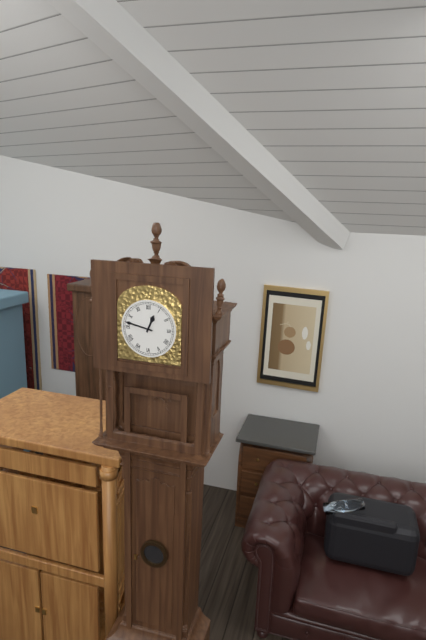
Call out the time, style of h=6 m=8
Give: h=12 m=47
